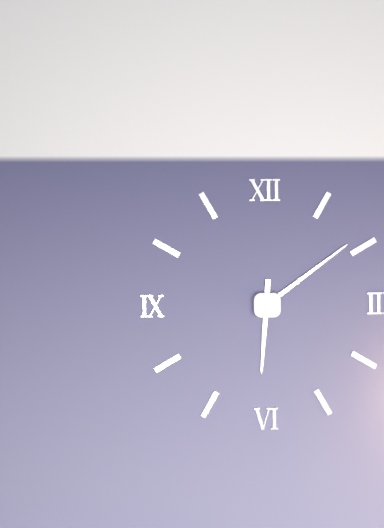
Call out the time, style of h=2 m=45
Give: h=6 m=9
